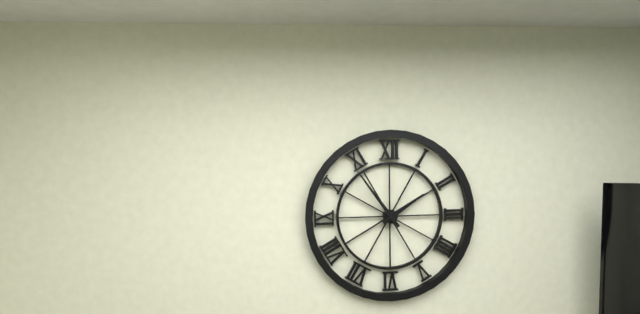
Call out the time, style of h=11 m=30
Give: h=1 m=54
